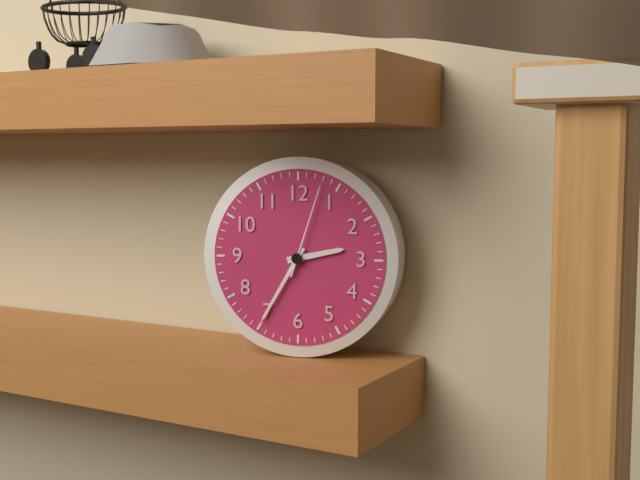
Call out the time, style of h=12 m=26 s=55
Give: h=2 m=35 s=3
